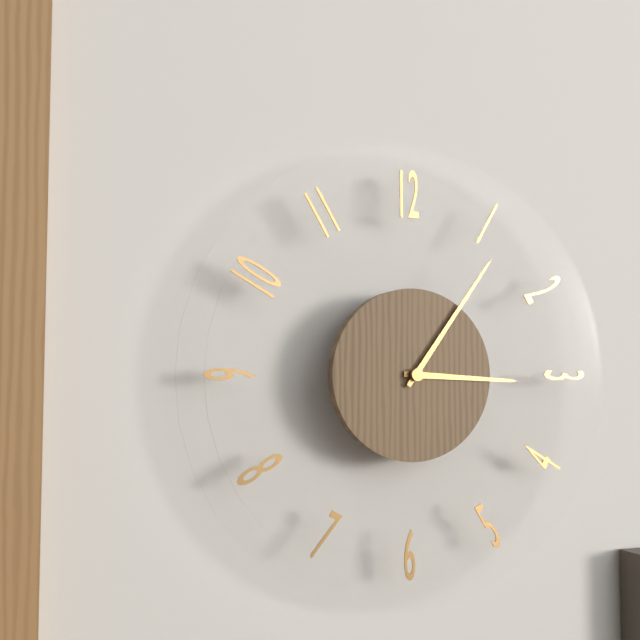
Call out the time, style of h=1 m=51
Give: h=3 m=6
